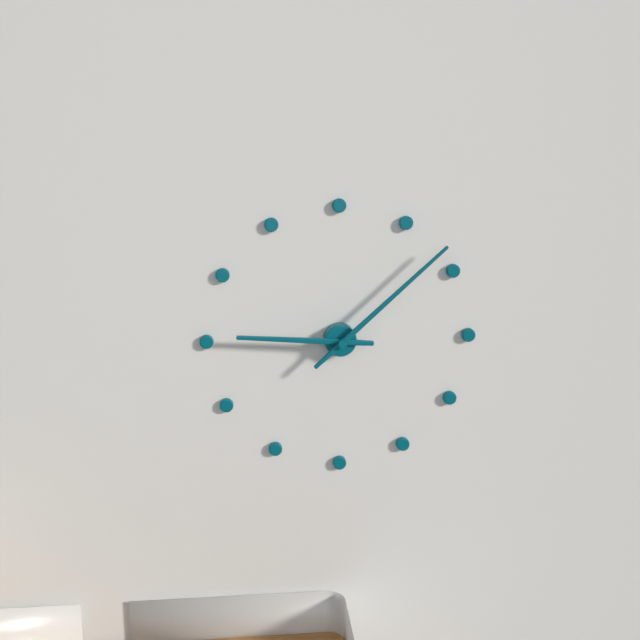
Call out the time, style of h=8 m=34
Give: h=9 m=8
